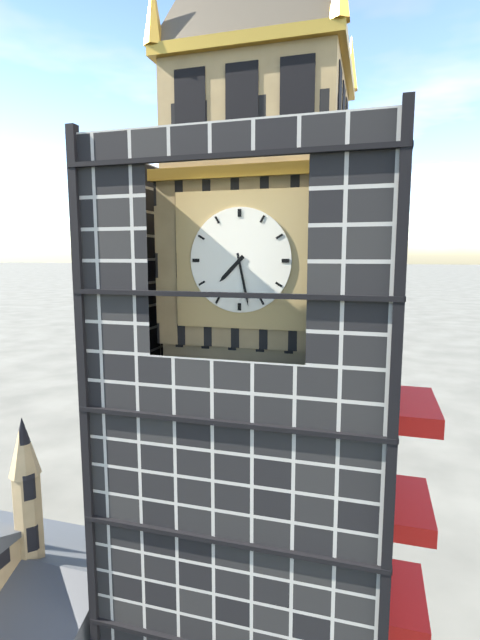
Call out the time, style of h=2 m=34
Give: h=7 m=28
